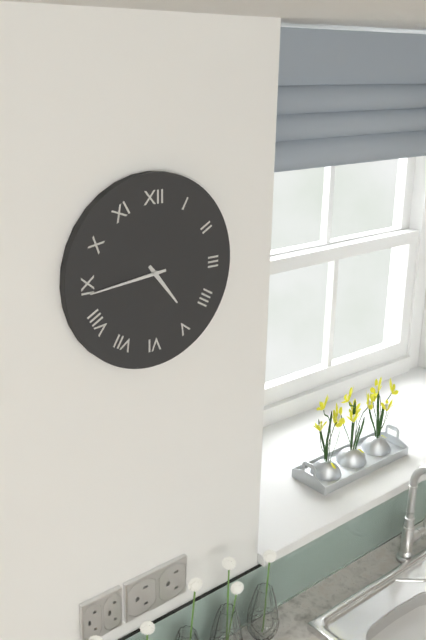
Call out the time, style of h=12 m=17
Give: h=4 m=44
